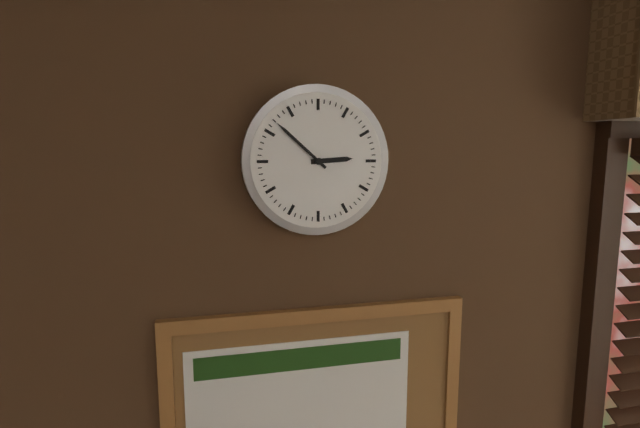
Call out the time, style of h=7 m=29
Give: h=2 m=52
